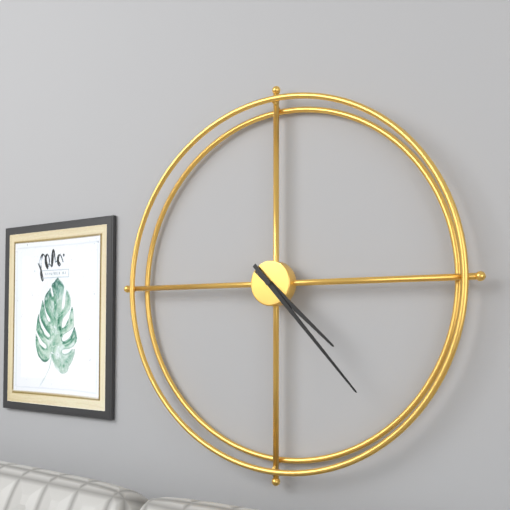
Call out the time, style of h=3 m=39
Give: h=4 m=23
